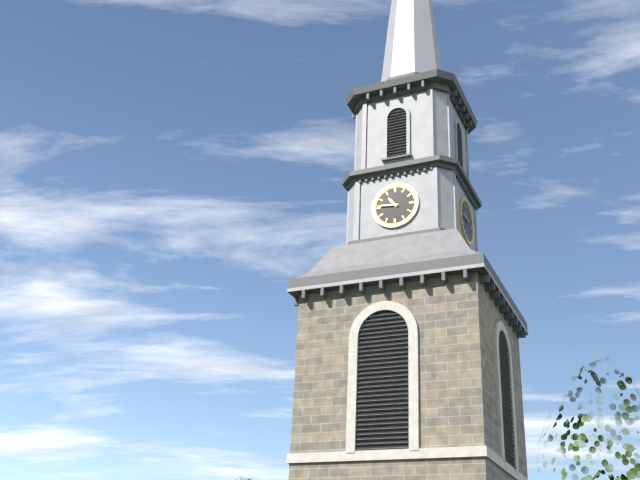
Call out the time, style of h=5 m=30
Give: h=10 m=46
